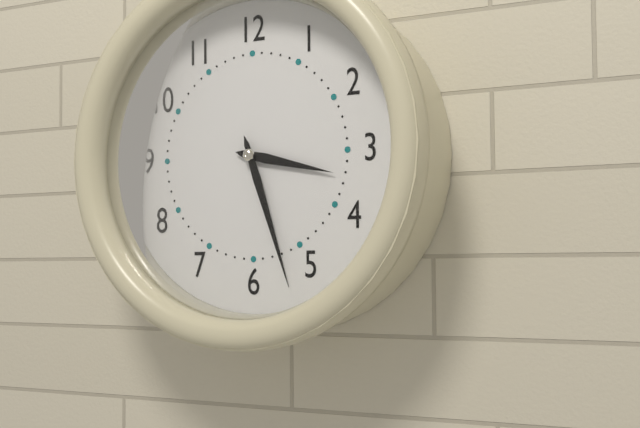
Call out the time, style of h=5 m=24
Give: h=3 m=27
